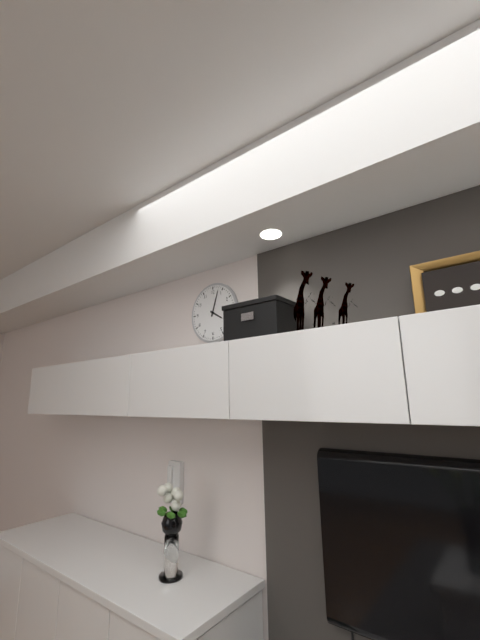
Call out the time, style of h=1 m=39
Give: h=4 m=3
